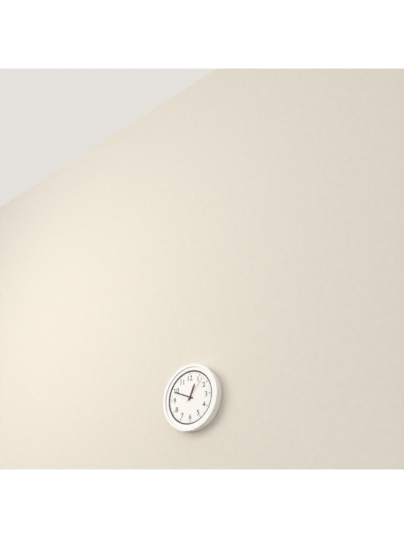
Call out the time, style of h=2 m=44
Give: h=12 m=49
